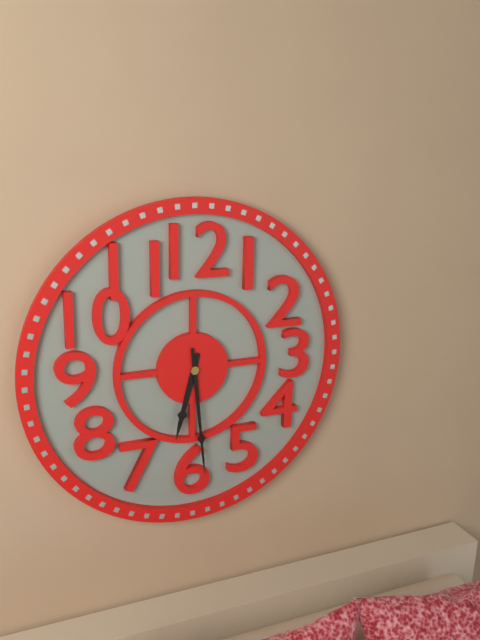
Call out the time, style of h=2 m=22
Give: h=6 m=29
